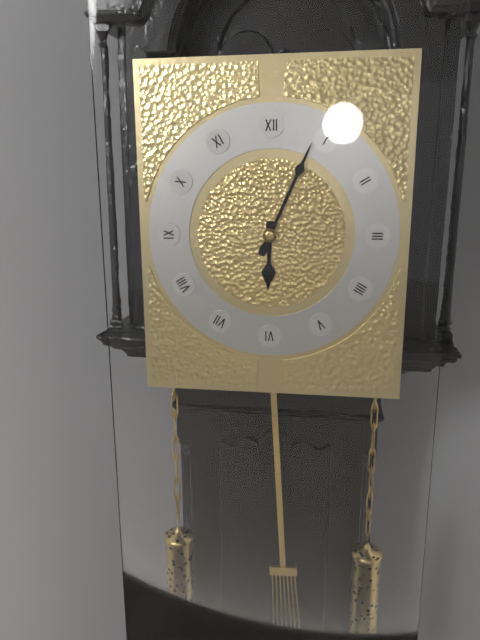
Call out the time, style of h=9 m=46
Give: h=6 m=4
